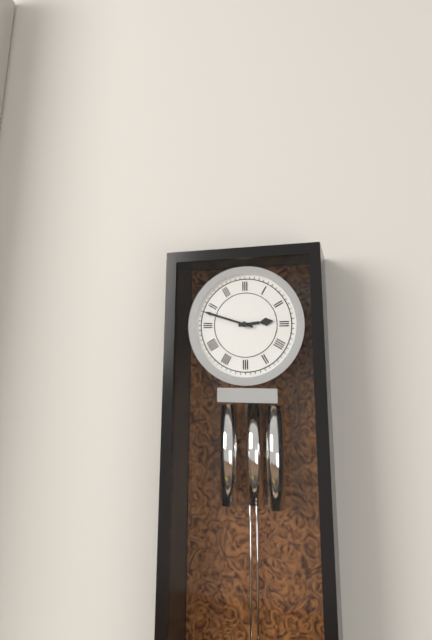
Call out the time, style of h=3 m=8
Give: h=2 m=48
